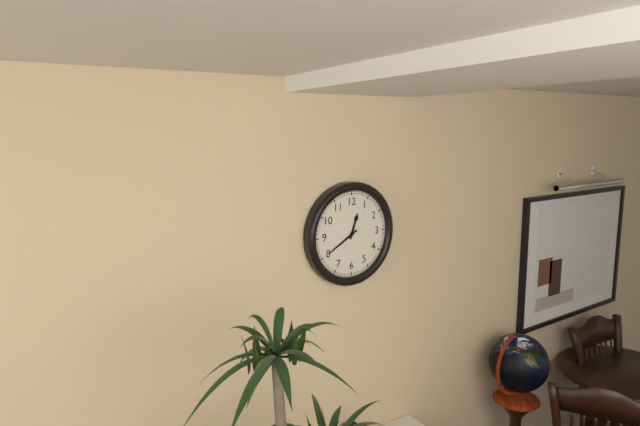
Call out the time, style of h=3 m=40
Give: h=12 m=40
